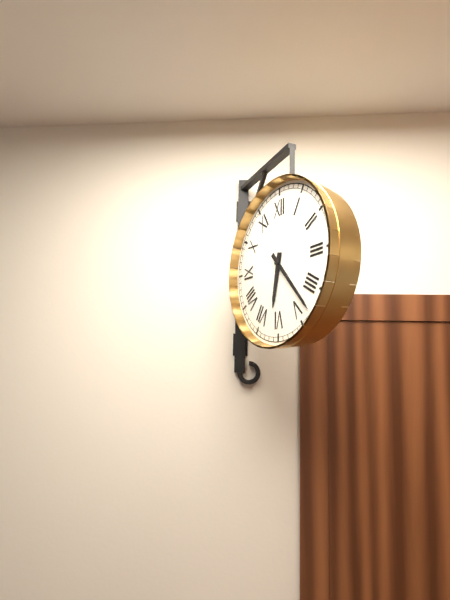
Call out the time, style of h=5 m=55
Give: h=6 m=23
